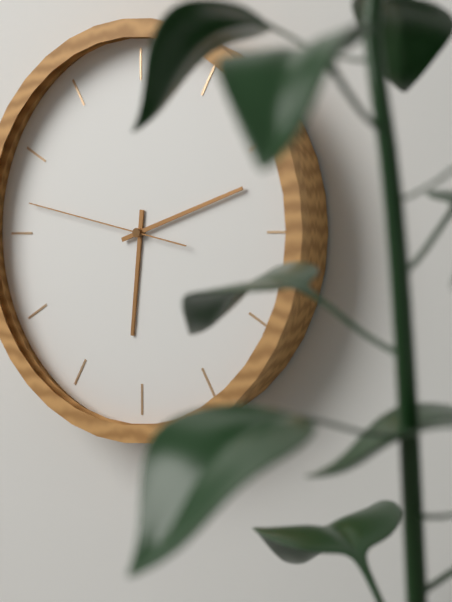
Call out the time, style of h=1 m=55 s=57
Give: h=6 m=12 s=47
